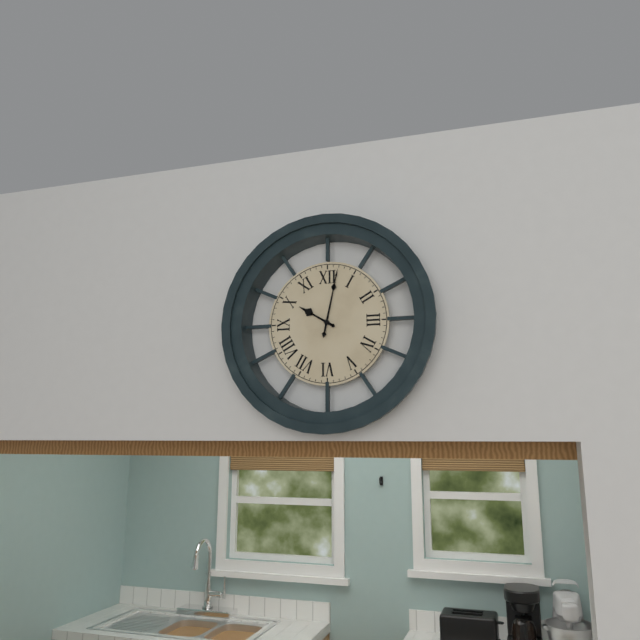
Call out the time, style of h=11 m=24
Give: h=10 m=2
